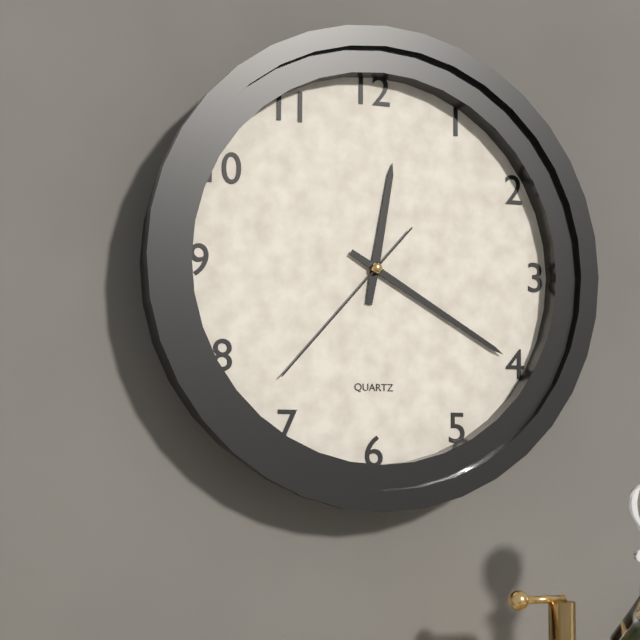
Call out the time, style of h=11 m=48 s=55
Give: h=12 m=20 s=37
